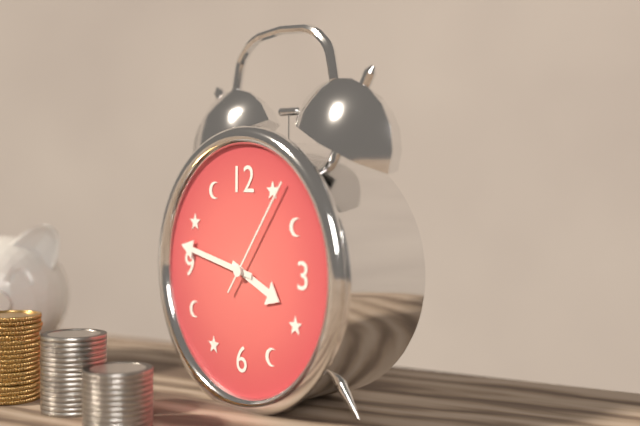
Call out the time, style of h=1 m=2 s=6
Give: h=3 m=47 s=6
